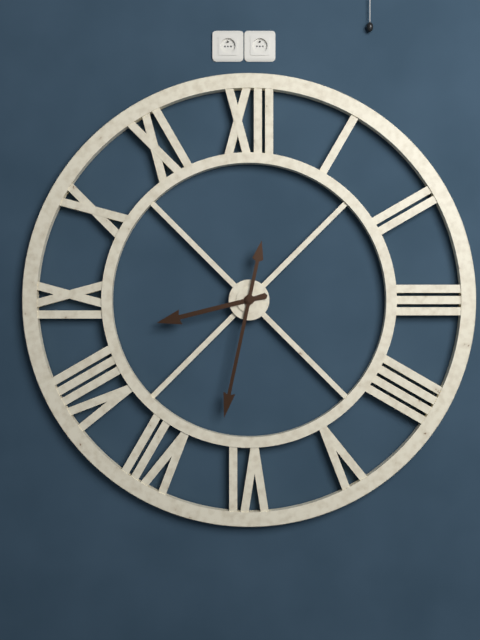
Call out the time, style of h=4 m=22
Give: h=8 m=32
